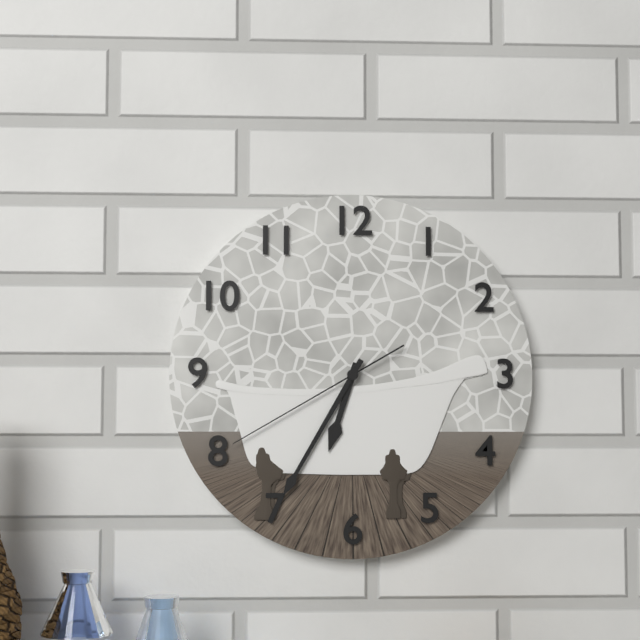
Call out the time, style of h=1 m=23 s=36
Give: h=6 m=35 s=40
